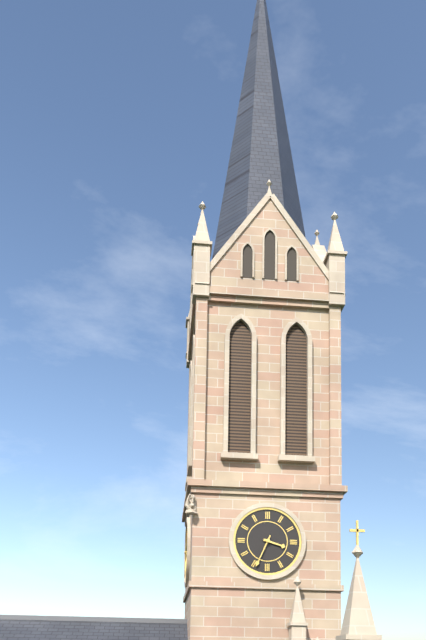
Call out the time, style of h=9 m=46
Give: h=3 m=34
